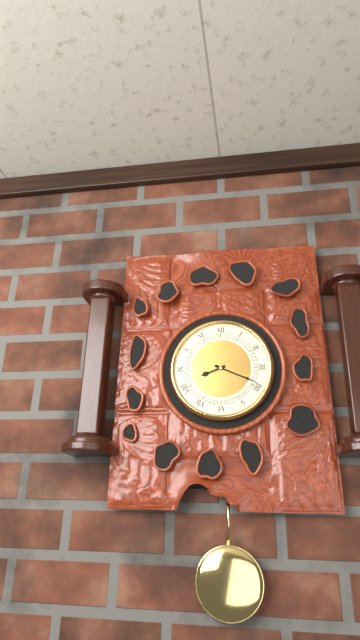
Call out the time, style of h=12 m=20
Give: h=8 m=19
